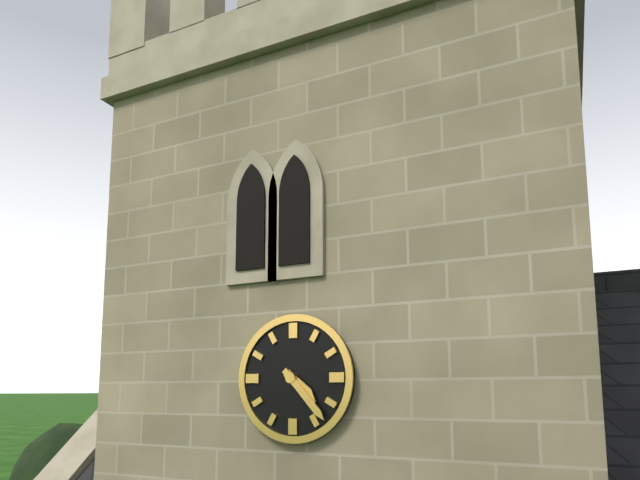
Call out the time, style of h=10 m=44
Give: h=4 m=23
